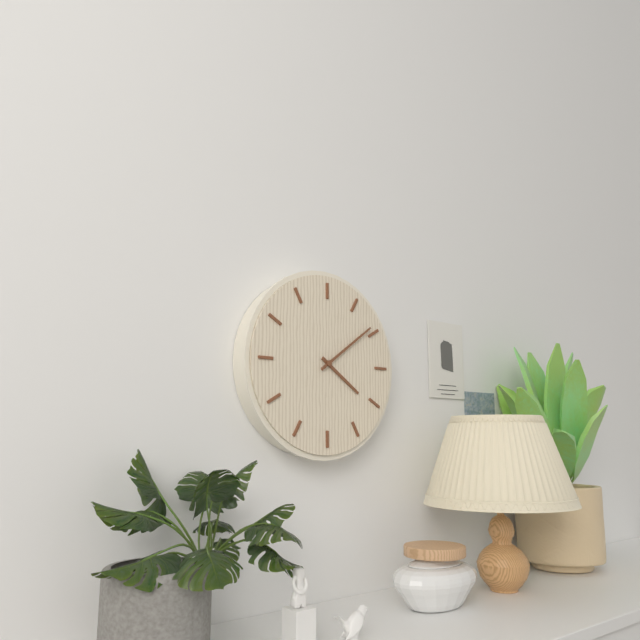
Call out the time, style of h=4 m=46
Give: h=4 m=9
